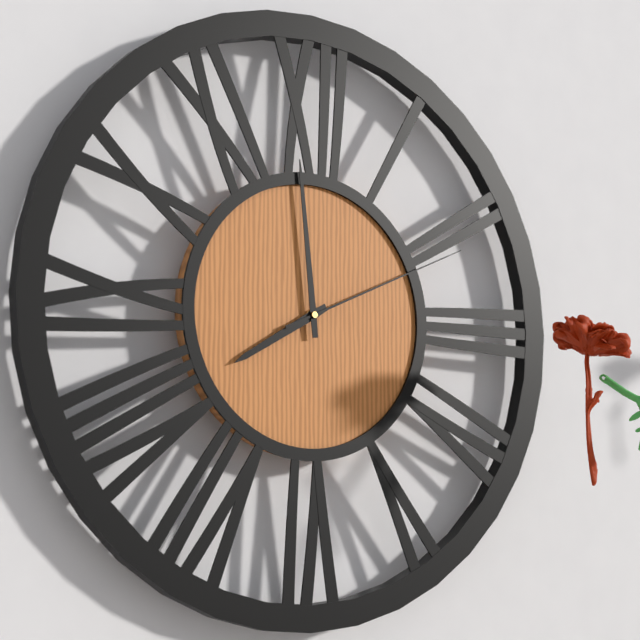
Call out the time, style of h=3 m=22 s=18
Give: h=7 m=59 s=11
